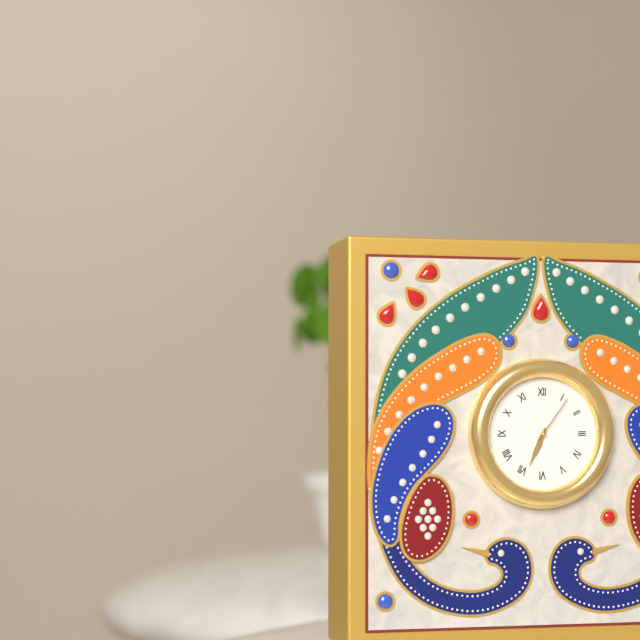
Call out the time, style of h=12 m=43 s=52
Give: h=6 m=34 s=6
